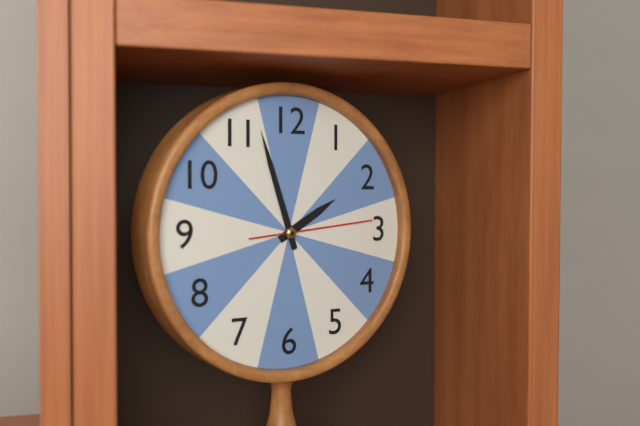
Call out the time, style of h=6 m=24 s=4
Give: h=1 m=57 s=14
